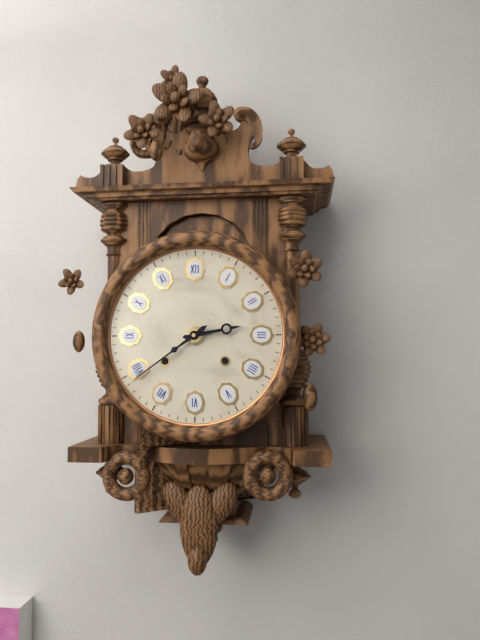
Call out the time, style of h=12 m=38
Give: h=2 m=39
